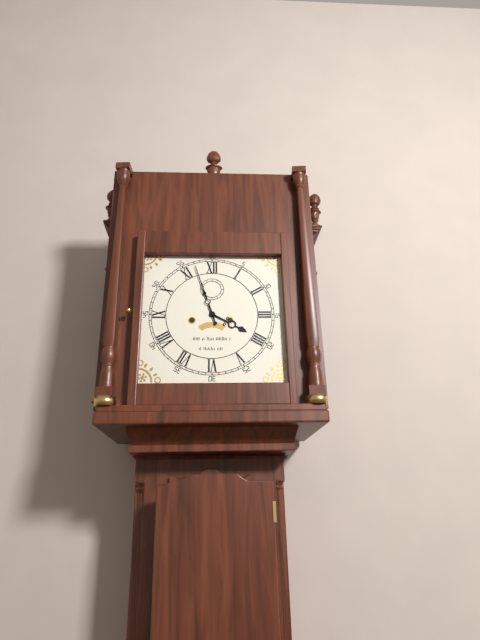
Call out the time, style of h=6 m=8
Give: h=3 m=57
